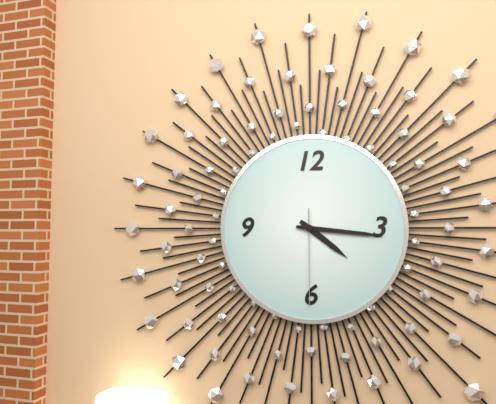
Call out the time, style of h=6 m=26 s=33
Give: h=4 m=16 s=30
